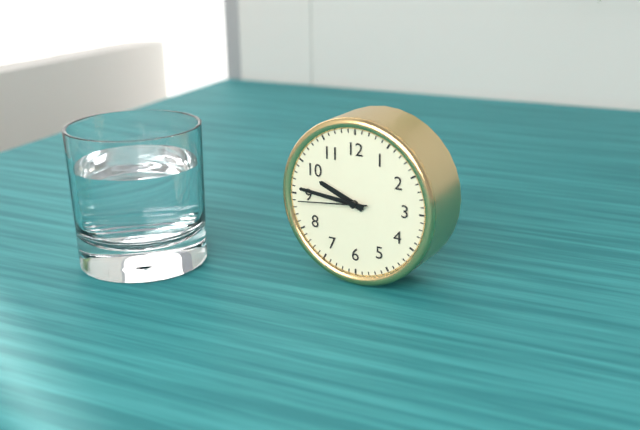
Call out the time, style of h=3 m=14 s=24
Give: h=9 m=46 s=44
